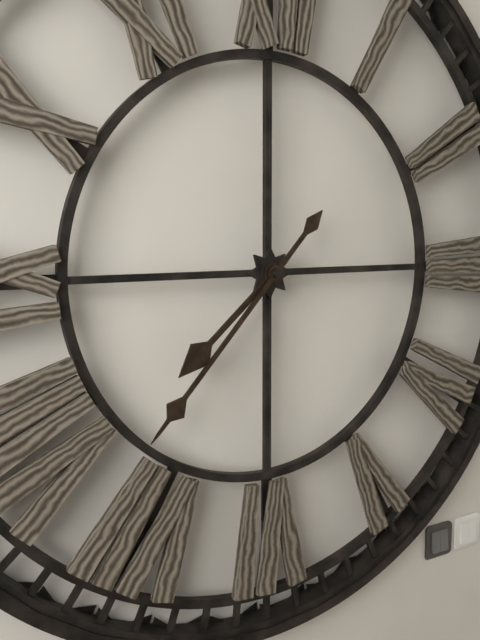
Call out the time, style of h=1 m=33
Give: h=7 m=37
